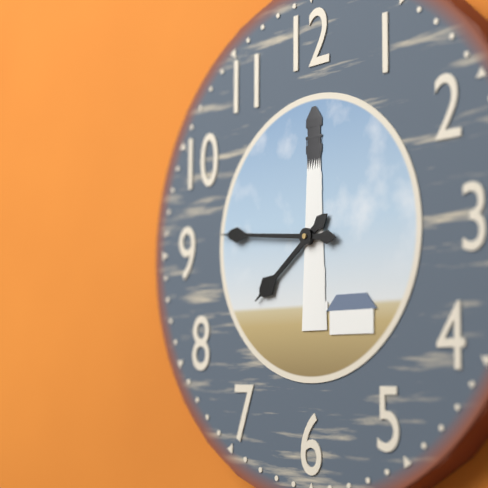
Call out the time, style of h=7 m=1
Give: h=7 m=46
